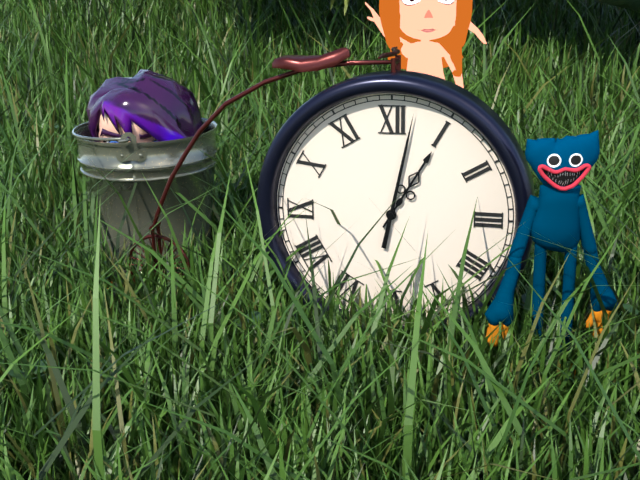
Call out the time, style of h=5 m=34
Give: h=1 m=2
